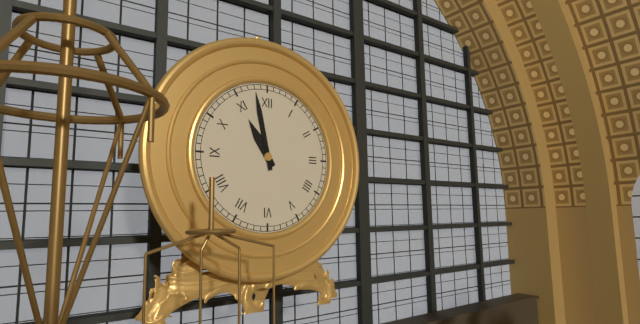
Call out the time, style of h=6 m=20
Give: h=10 m=58
